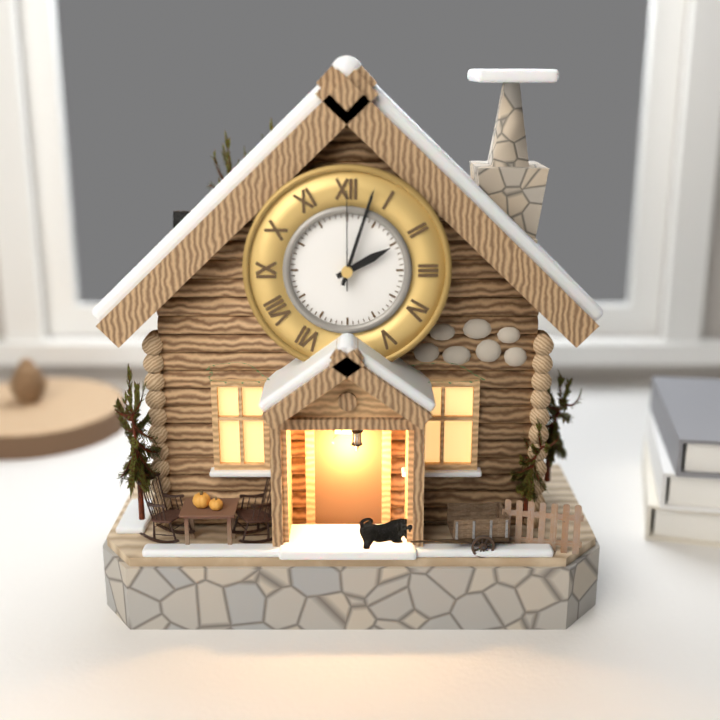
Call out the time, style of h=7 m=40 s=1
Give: h=2 m=3 s=0
